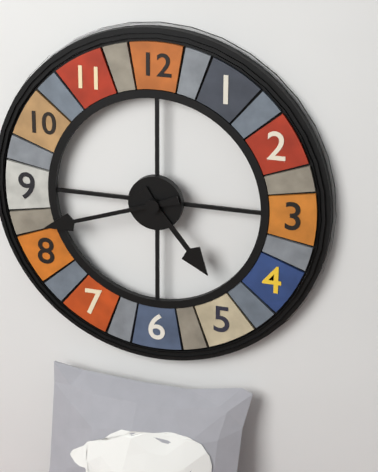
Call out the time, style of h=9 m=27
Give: h=4 m=42
